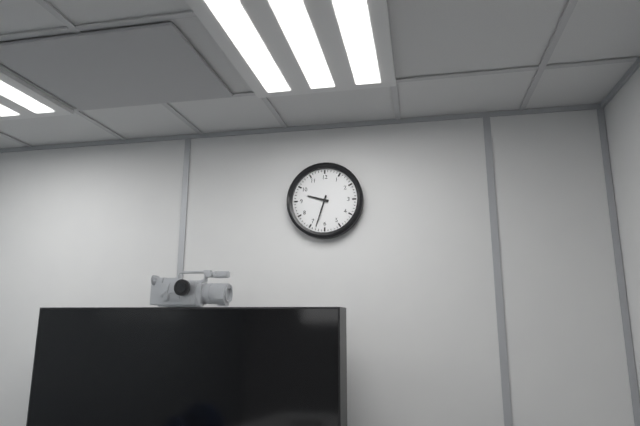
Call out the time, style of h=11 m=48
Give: h=9 m=33
